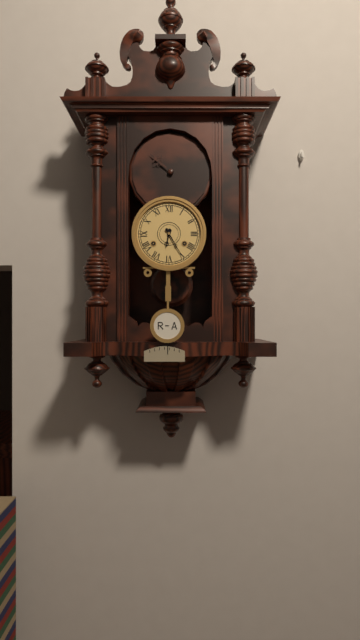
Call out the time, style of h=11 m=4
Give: h=6 m=25
